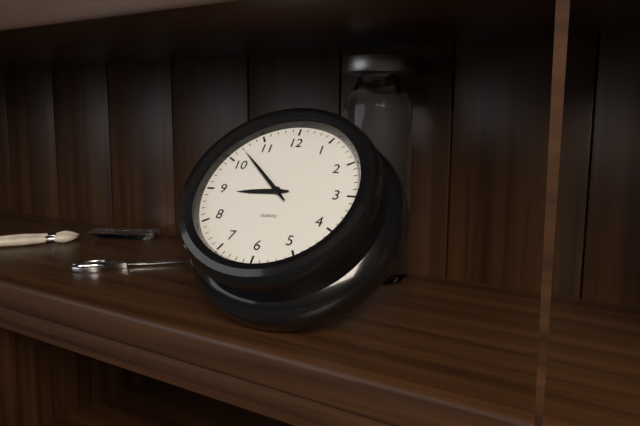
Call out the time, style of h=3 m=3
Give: h=8 m=52
